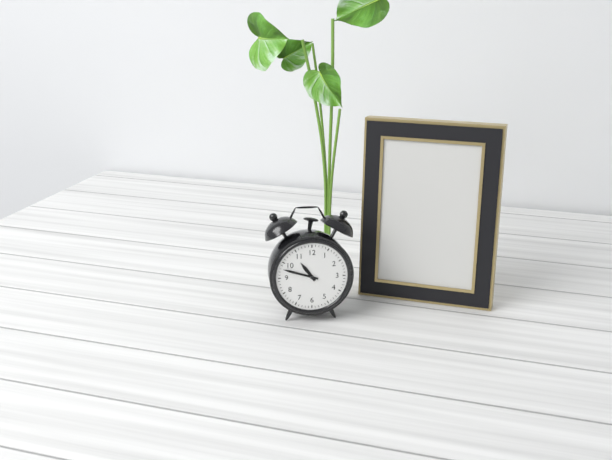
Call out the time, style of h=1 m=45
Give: h=10 m=48
